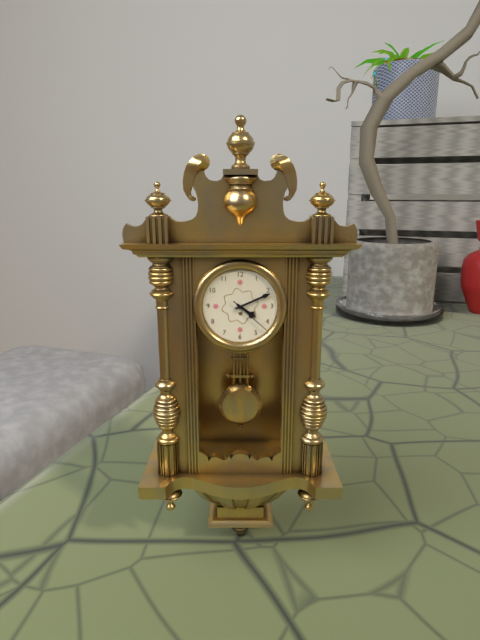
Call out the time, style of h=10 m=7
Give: h=4 m=11
